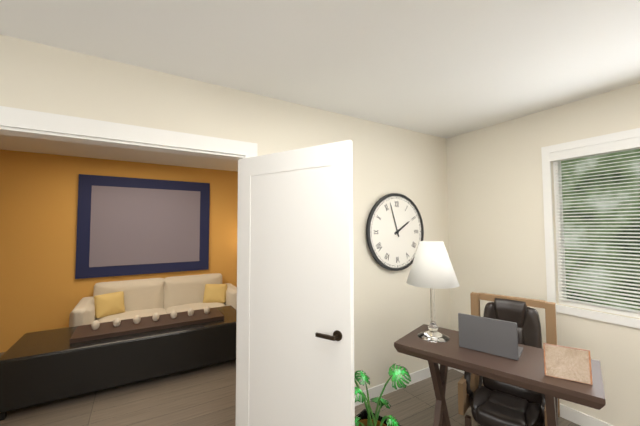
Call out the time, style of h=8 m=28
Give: h=1 m=57
